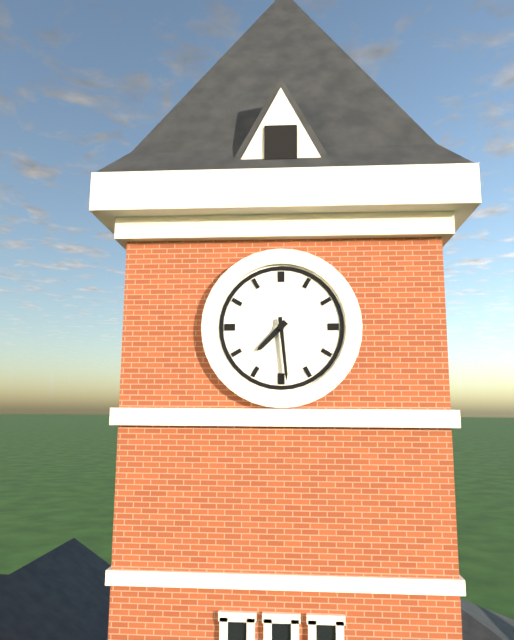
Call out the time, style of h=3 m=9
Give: h=7 m=29
